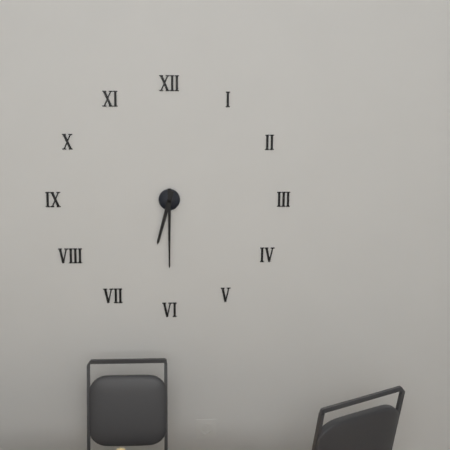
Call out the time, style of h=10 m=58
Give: h=6 m=30
